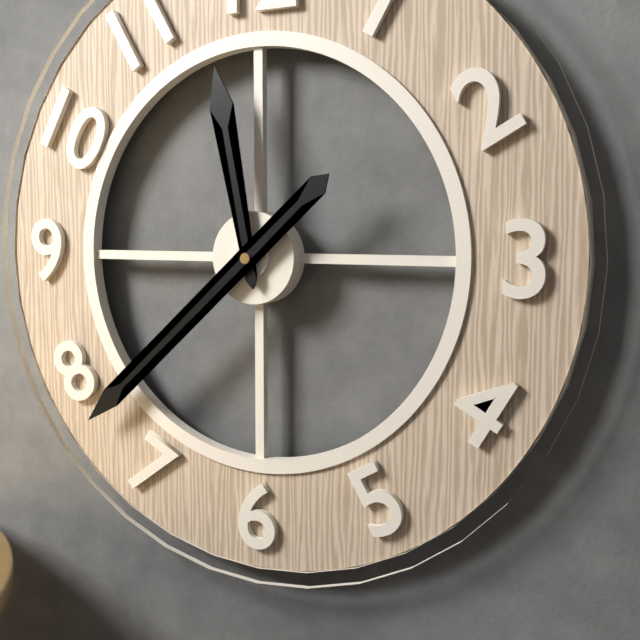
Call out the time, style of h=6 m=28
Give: h=11 m=38
